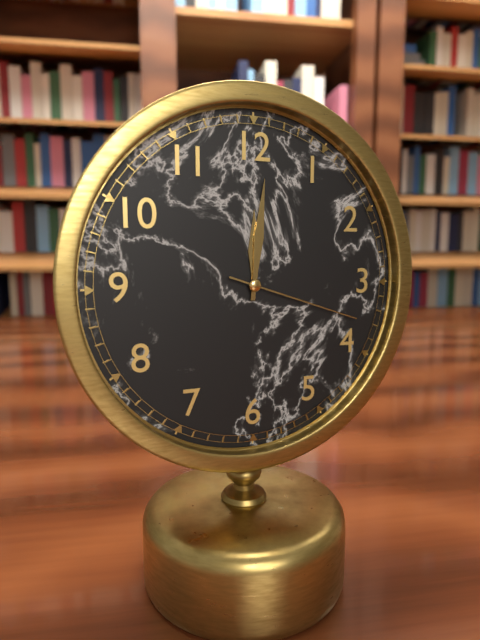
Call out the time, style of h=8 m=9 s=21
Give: h=12 m=1 s=18
